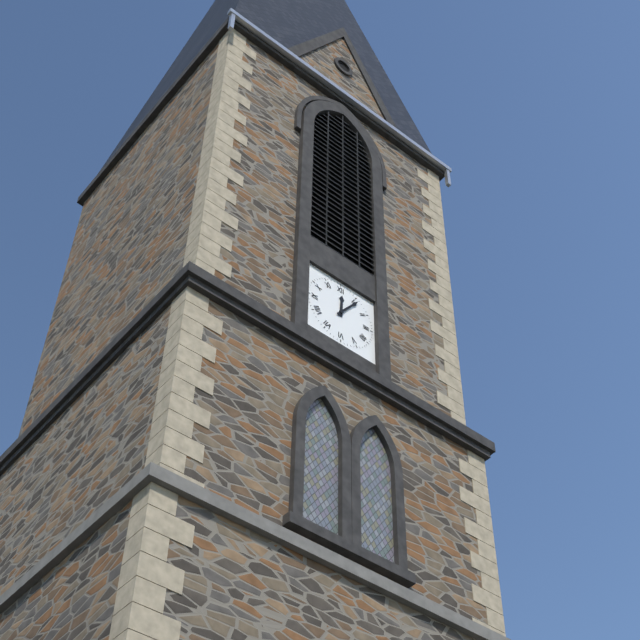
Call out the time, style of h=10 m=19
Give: h=12 m=6
